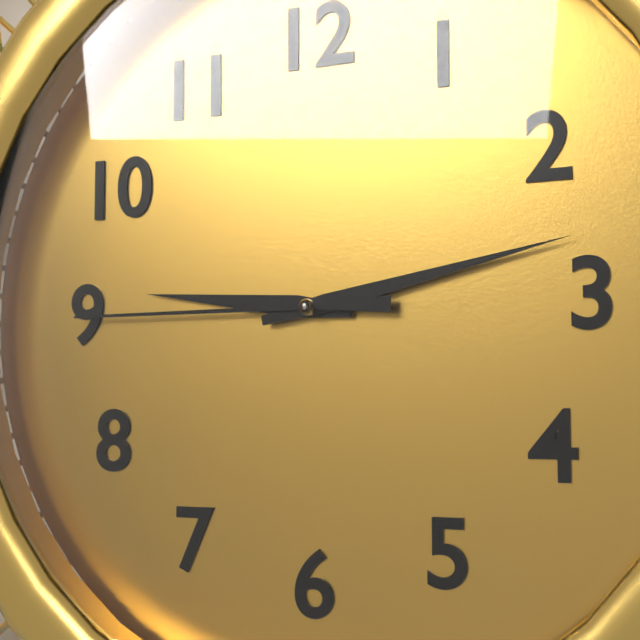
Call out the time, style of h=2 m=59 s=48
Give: h=9 m=13 s=45
